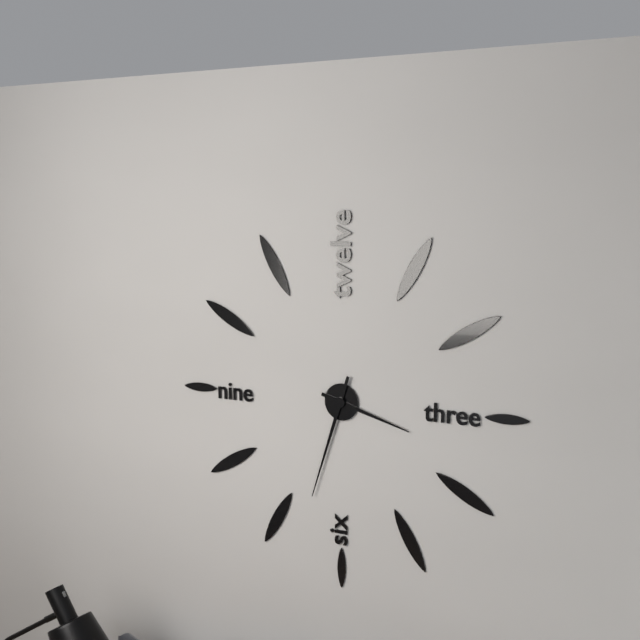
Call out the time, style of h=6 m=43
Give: h=3 m=33
